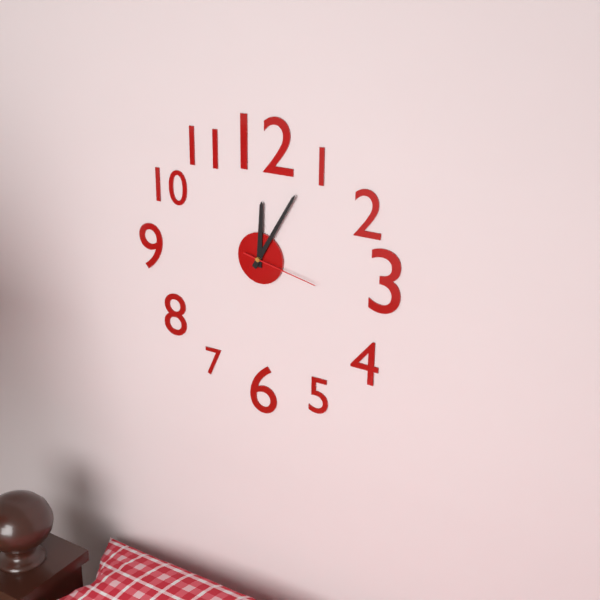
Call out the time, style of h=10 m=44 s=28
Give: h=12 m=5 s=17
